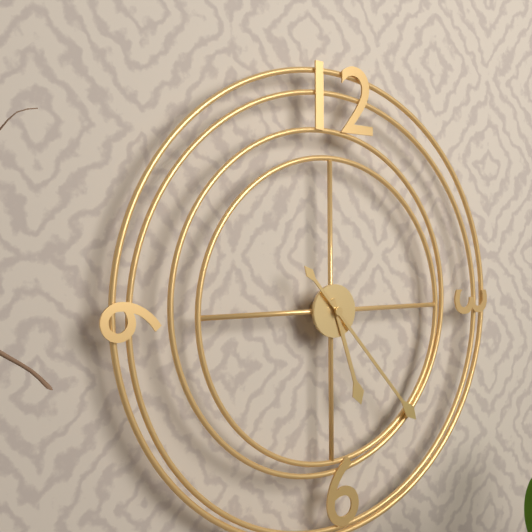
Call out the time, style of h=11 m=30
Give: h=5 m=23
